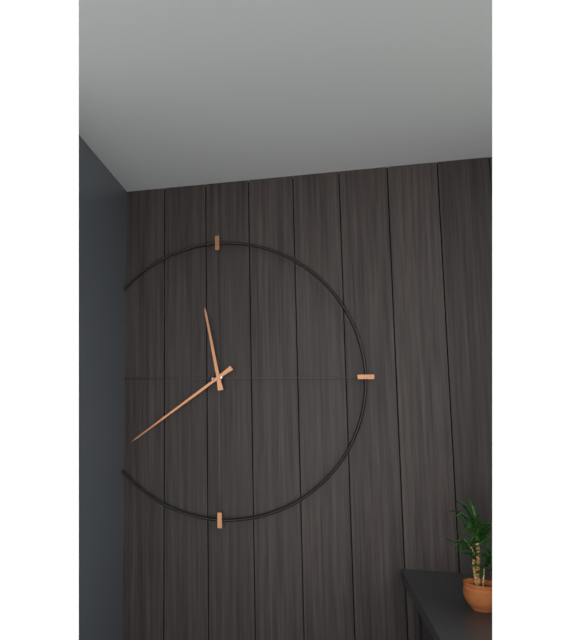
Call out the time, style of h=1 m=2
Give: h=11 m=39
